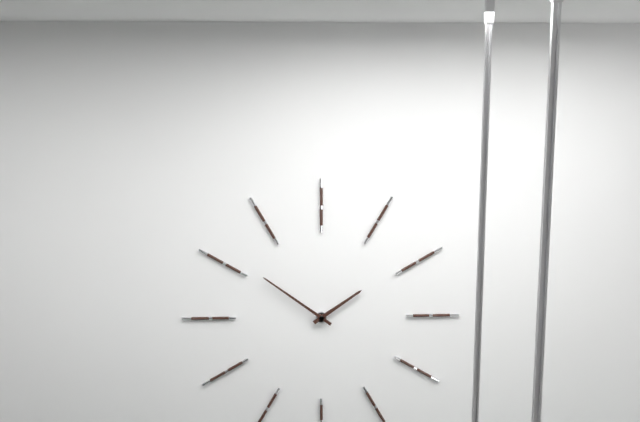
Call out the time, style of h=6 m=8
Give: h=1 m=51
